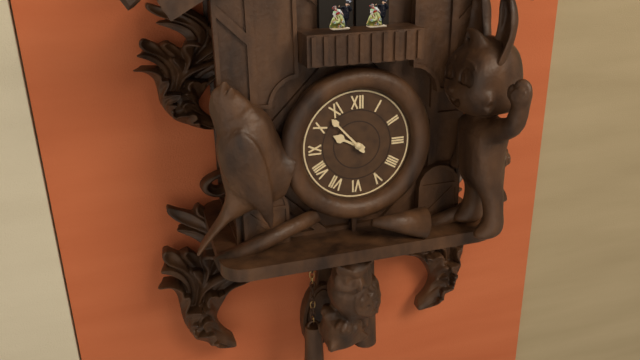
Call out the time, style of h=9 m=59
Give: h=9 m=53
